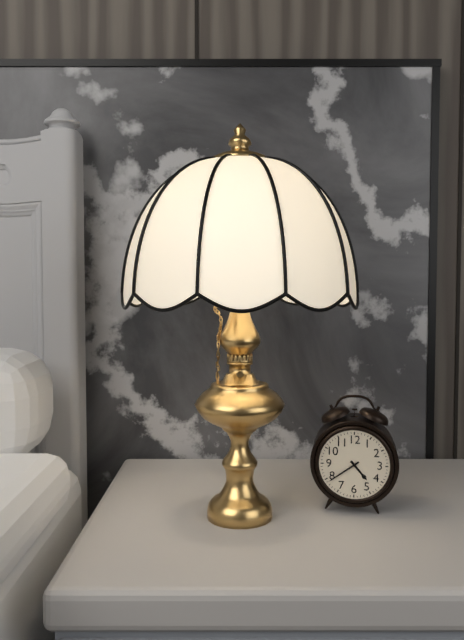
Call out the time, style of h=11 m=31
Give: h=4 m=39
